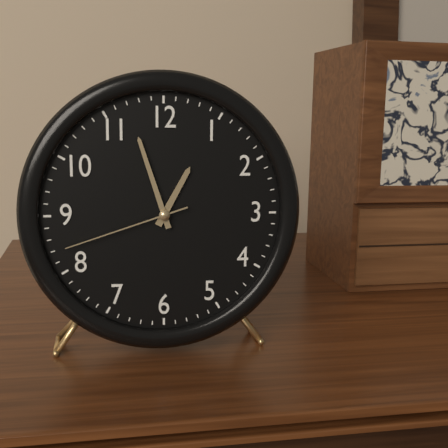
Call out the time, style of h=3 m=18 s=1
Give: h=12 m=57 s=42
